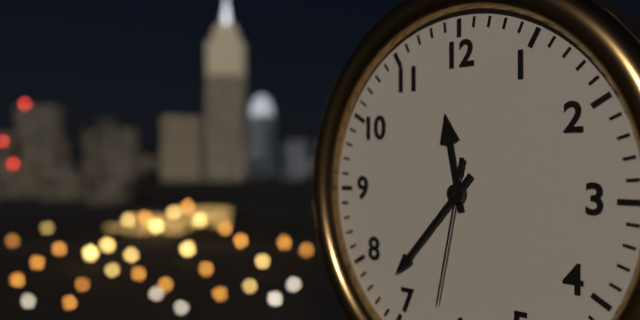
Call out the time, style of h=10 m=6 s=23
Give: h=11 m=37 s=32
